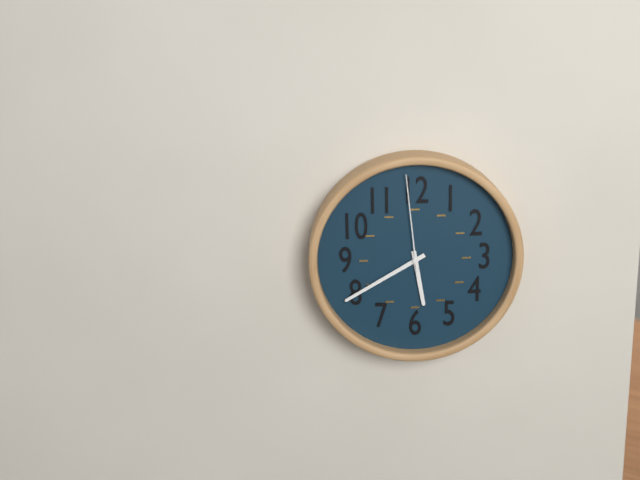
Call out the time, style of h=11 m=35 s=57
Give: h=5 m=40 s=59
